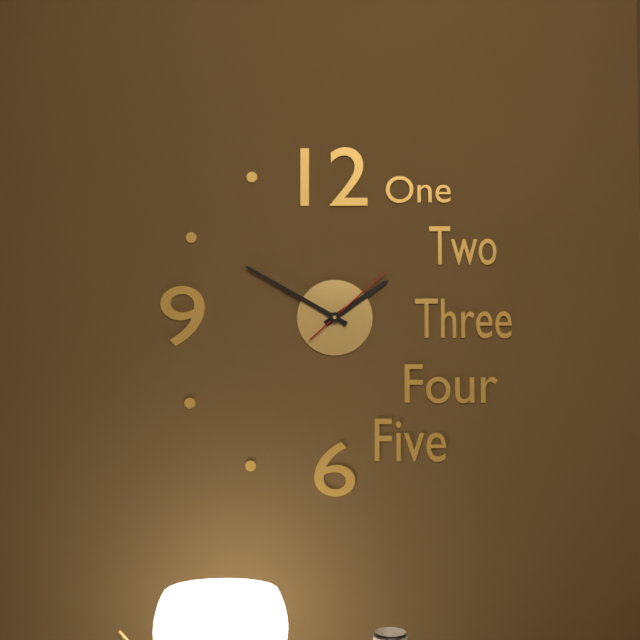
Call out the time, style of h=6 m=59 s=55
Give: h=1 m=50 s=8
